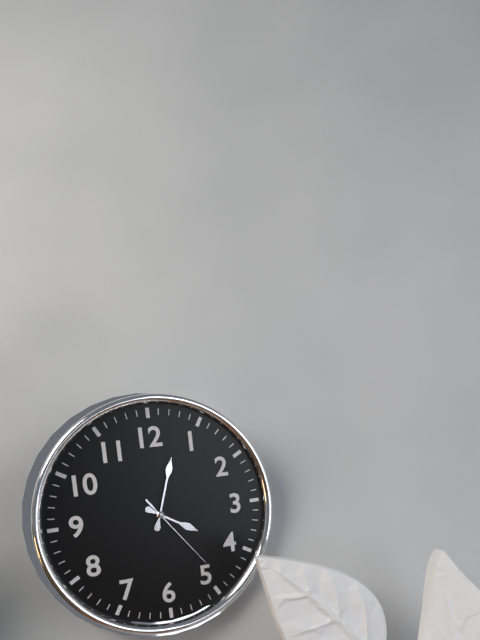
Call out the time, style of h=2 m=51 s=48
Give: h=4 m=3 s=24
